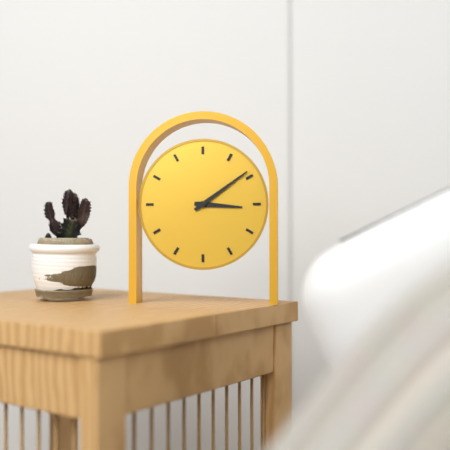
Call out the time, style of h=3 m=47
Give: h=3 m=9
